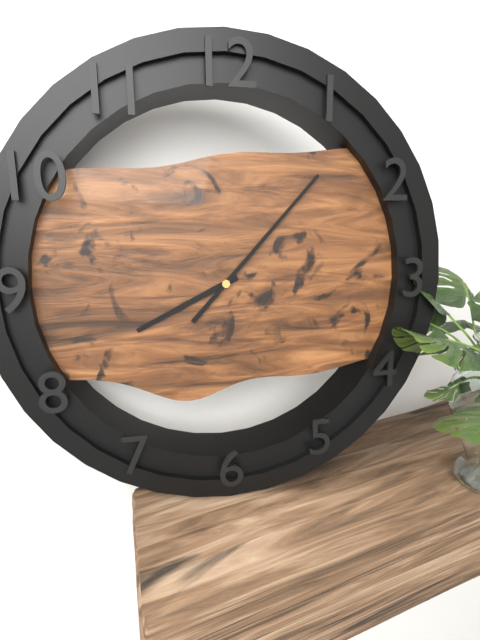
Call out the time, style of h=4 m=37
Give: h=8 m=7
